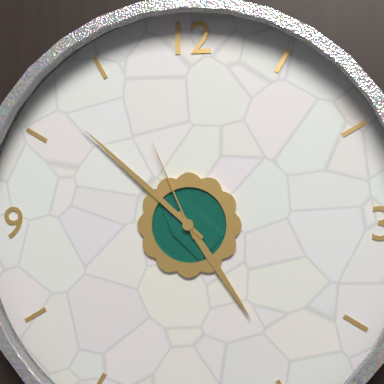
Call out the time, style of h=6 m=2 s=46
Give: h=4 m=52 s=56
